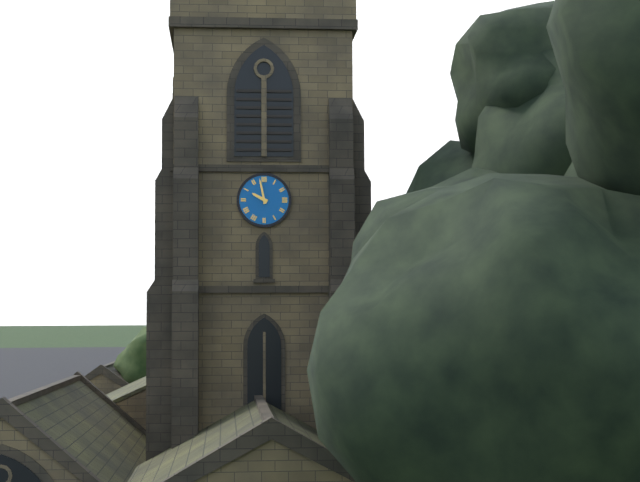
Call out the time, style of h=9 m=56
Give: h=9 m=58
